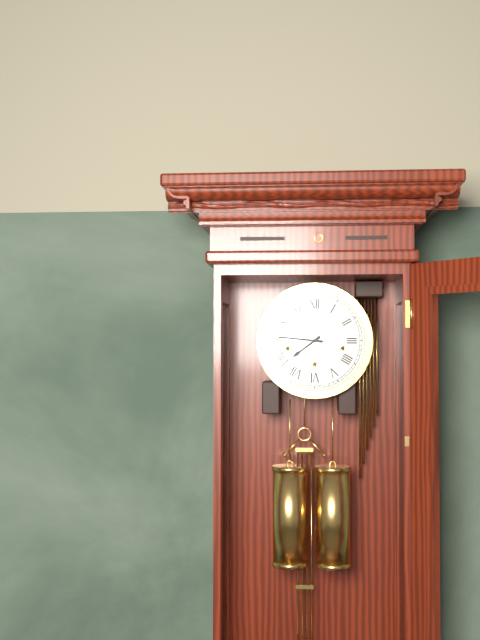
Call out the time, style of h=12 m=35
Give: h=7 m=46
